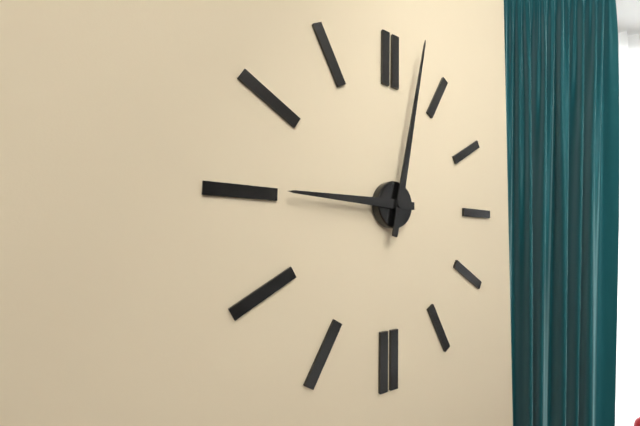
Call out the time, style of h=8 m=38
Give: h=9 m=2
